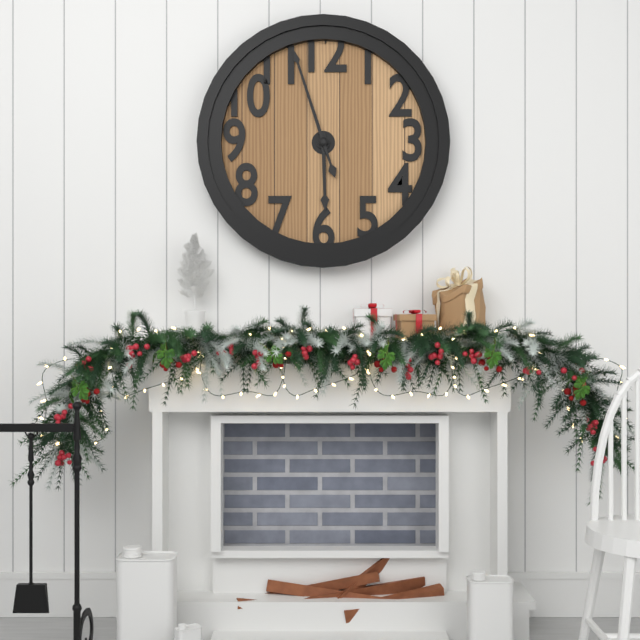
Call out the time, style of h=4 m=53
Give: h=5 m=57
